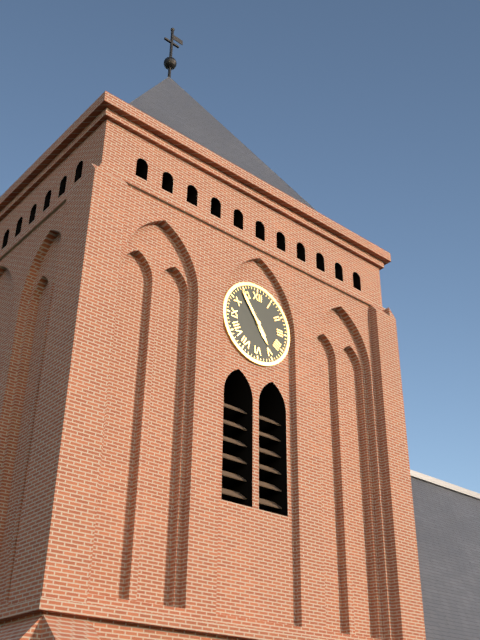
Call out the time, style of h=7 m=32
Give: h=4 m=54
